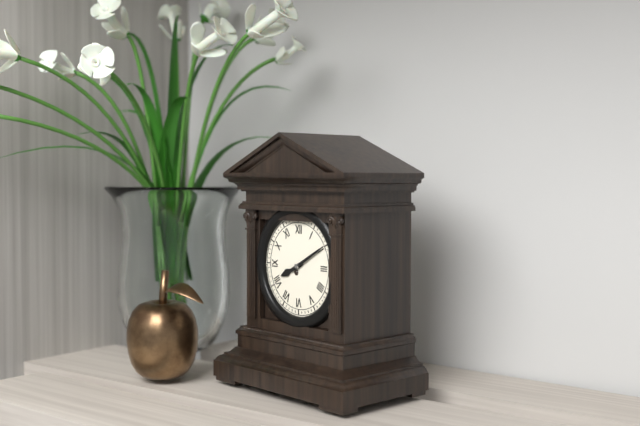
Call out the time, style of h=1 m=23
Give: h=8 m=10
